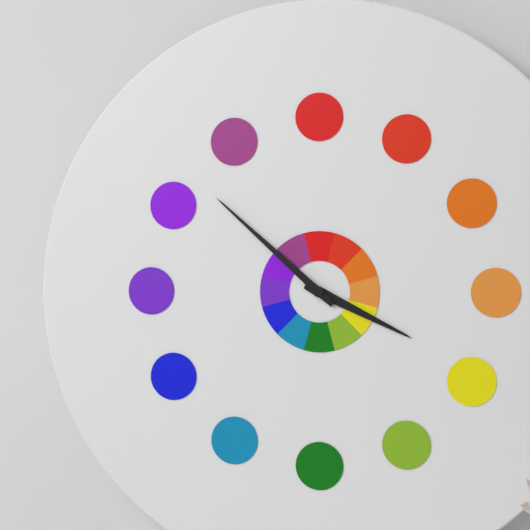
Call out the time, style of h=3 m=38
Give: h=3 m=52
